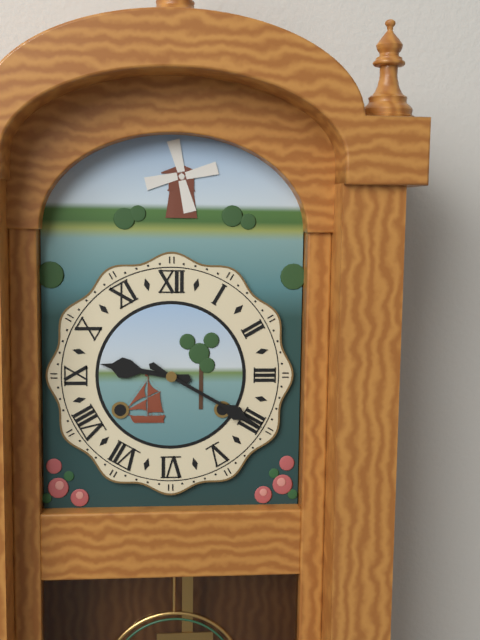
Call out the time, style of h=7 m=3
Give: h=9 m=20
